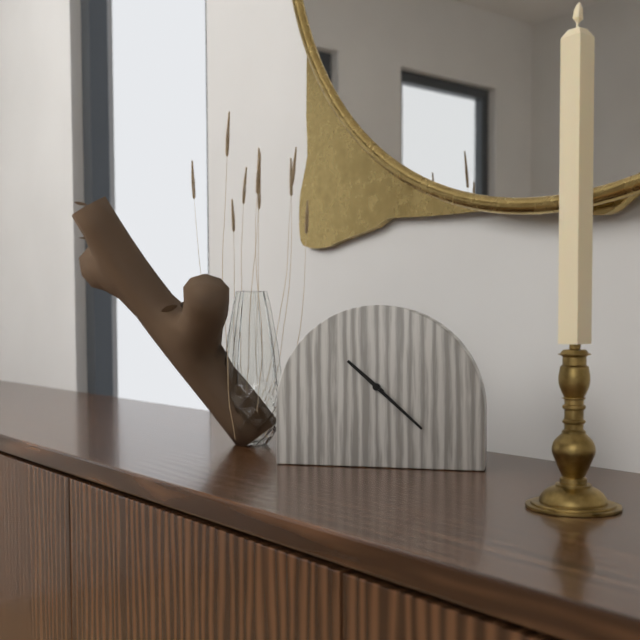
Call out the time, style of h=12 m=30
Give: h=10 m=22
